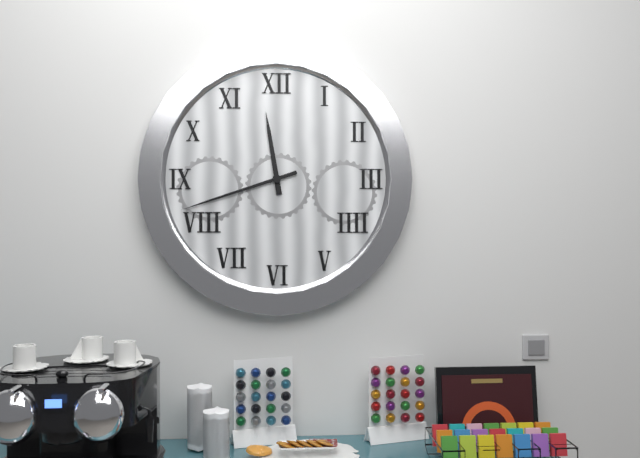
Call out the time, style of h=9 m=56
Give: h=11 m=42
